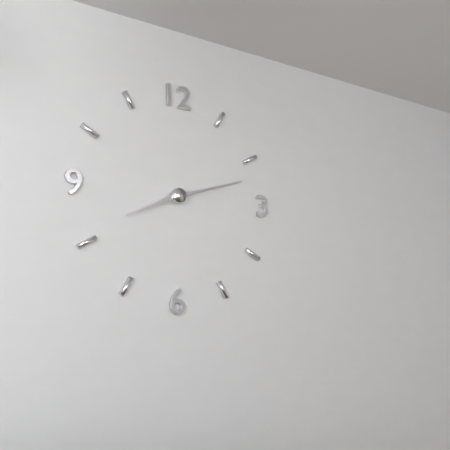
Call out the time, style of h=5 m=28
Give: h=8 m=12
